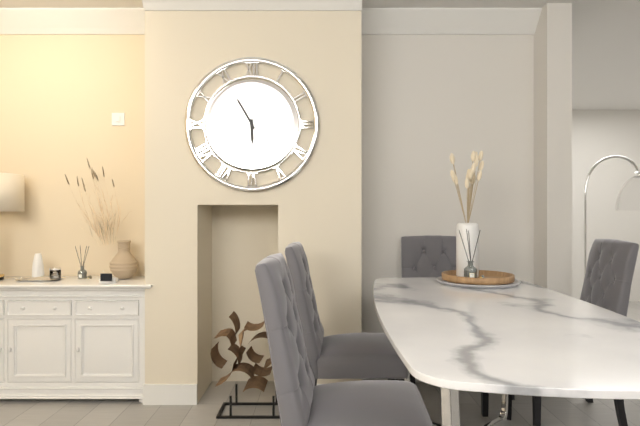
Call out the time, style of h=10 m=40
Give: h=5 m=55
